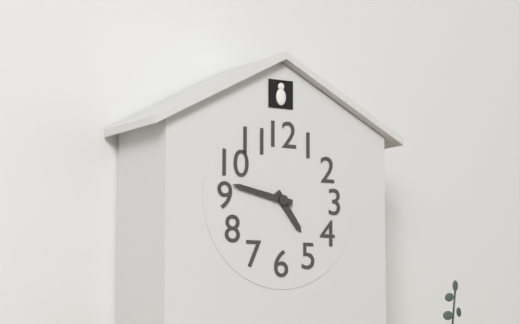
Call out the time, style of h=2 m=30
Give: h=4 m=47
